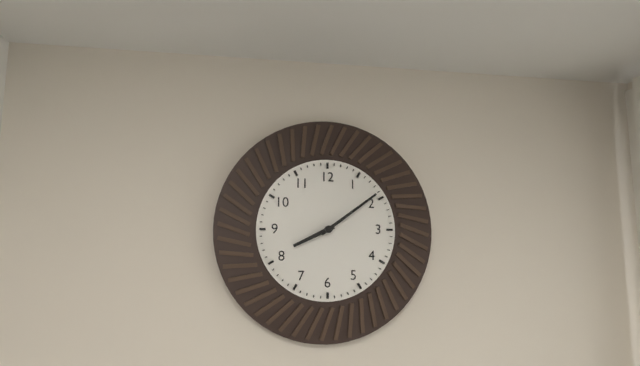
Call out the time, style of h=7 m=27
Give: h=8 m=9
